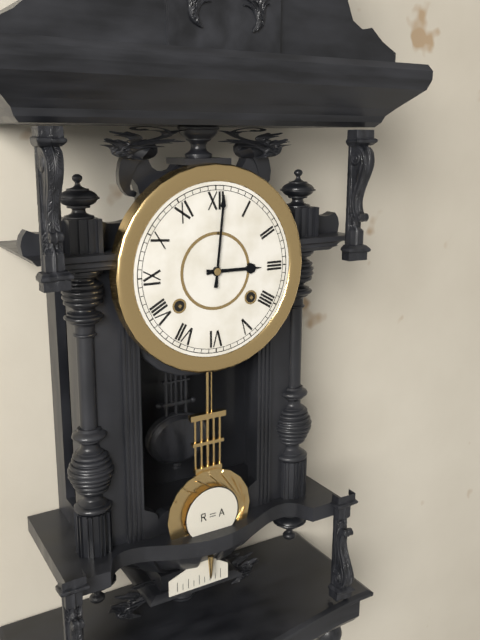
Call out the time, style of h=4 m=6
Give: h=3 m=1
